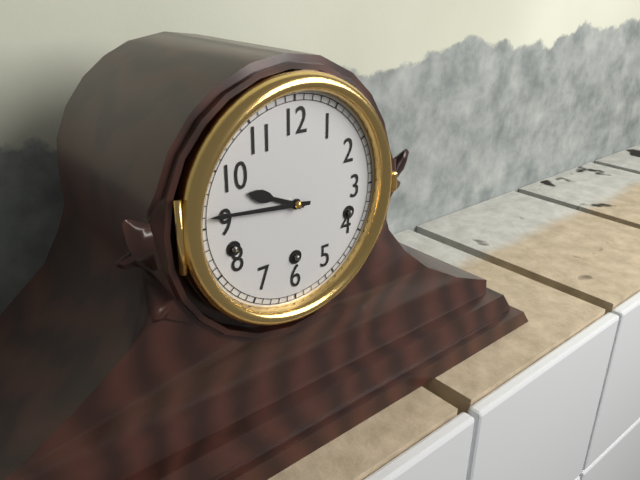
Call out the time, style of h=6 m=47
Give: h=9 m=46
